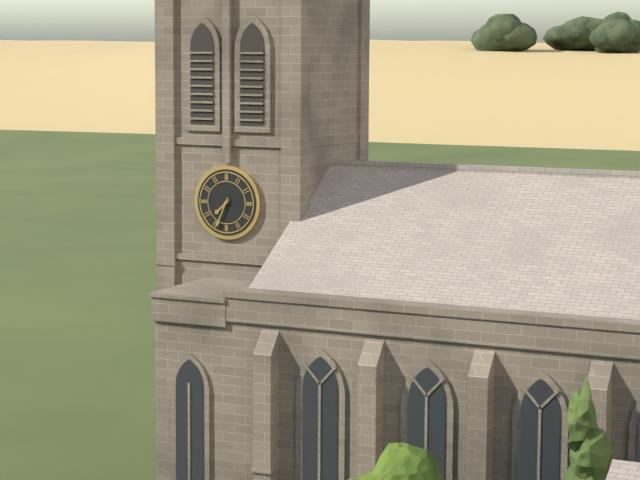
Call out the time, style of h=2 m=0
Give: h=7 m=34
